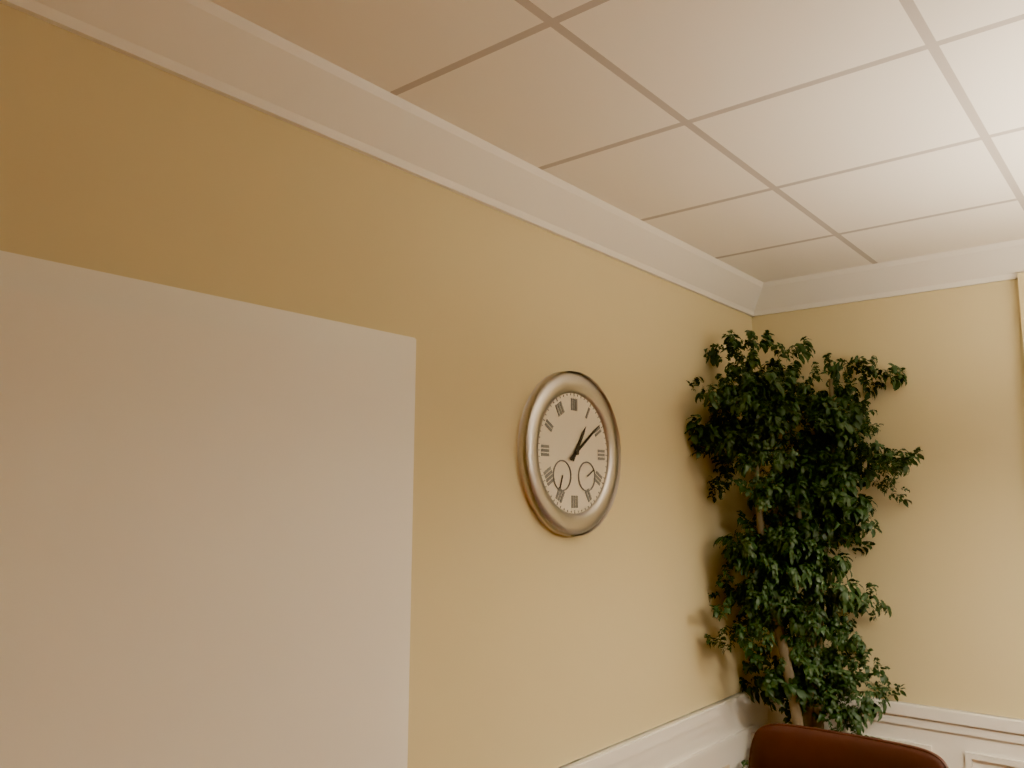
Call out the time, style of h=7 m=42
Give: h=1 m=9
